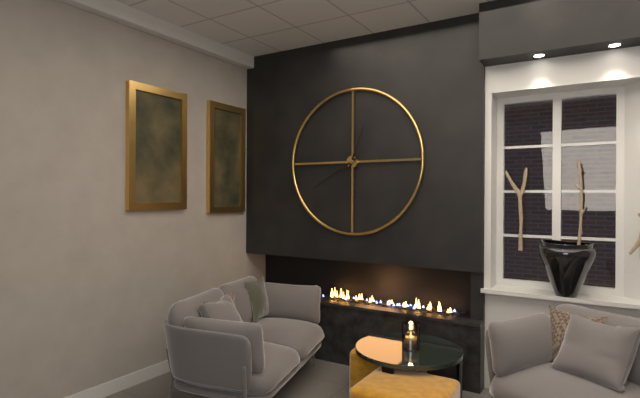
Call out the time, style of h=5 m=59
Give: h=12 m=40
